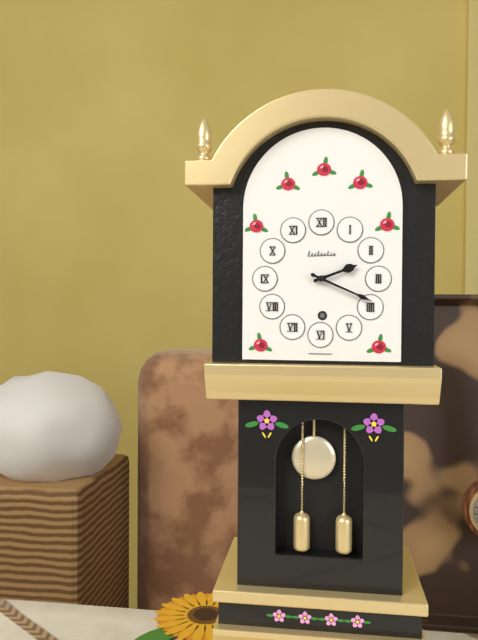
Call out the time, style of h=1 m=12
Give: h=2 m=19
